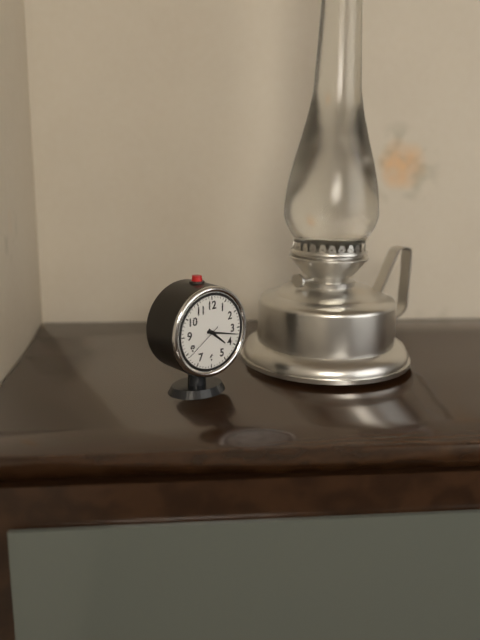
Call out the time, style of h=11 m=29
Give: h=4 m=17
